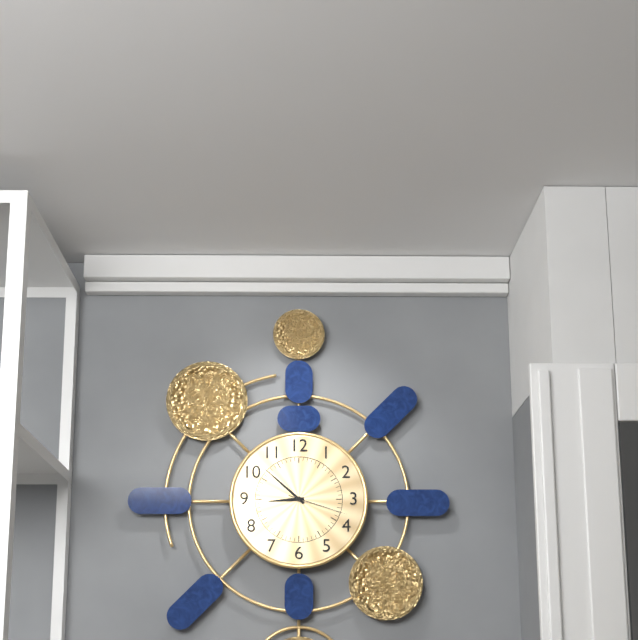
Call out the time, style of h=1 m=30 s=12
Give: h=8 m=52 s=18
